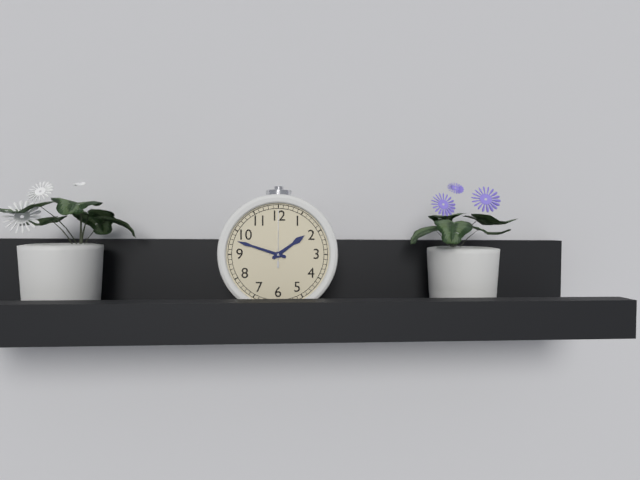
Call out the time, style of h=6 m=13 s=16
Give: h=1 m=48 s=0
